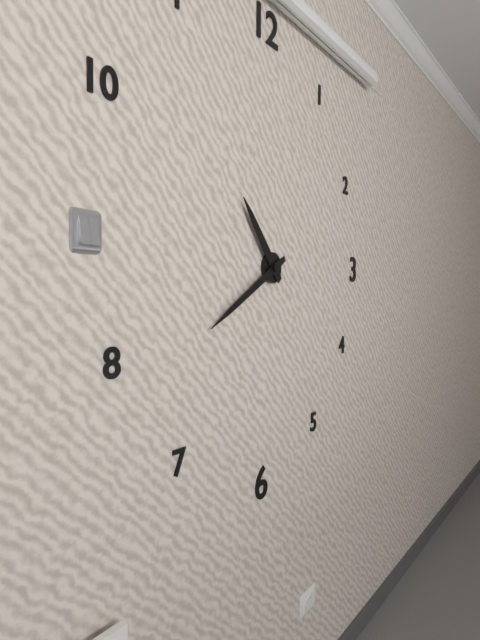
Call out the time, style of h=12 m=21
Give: h=10 m=40
